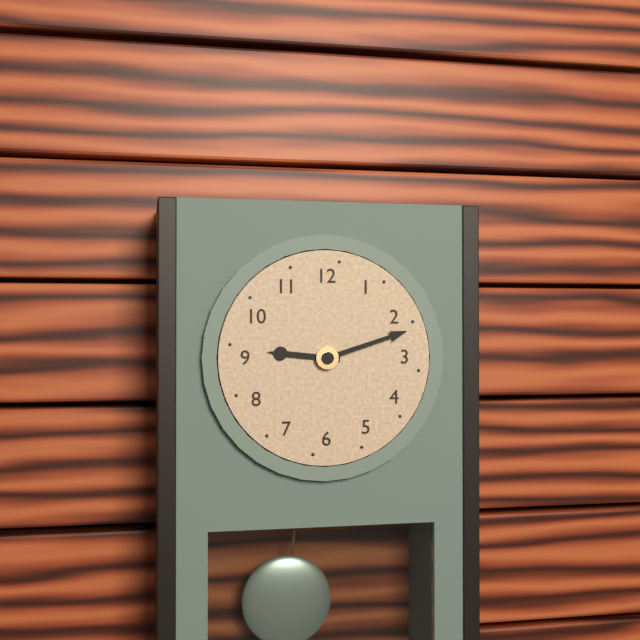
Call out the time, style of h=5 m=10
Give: h=9 m=12
